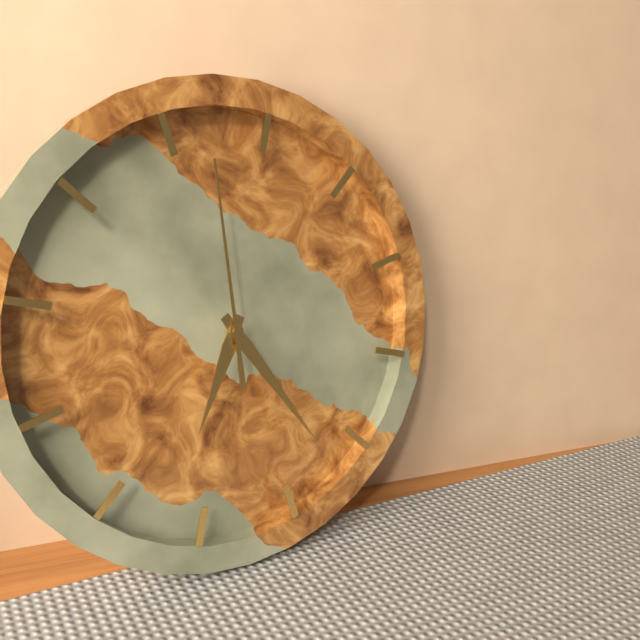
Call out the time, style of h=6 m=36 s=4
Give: h=6 m=22 s=57
